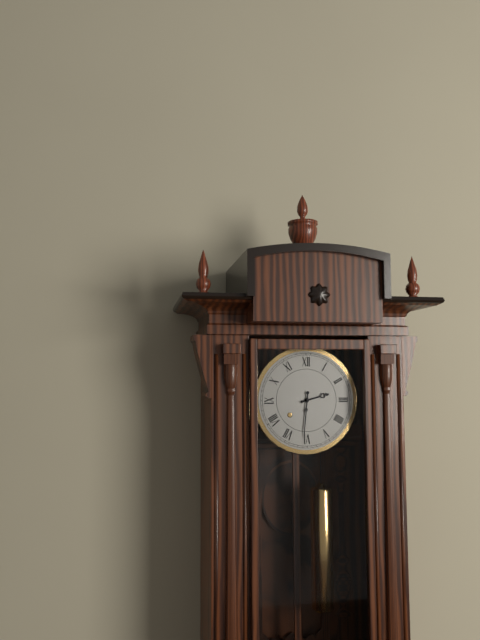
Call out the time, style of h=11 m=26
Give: h=2 m=31
